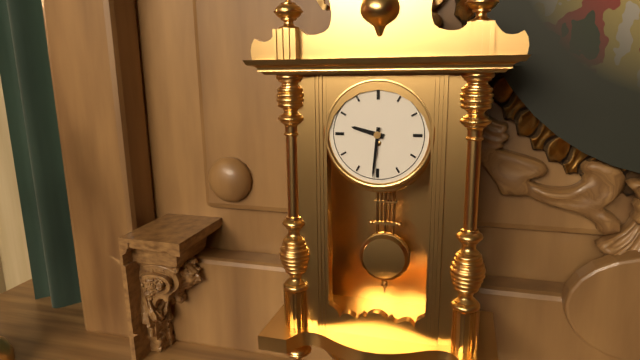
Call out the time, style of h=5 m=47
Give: h=9 m=31
